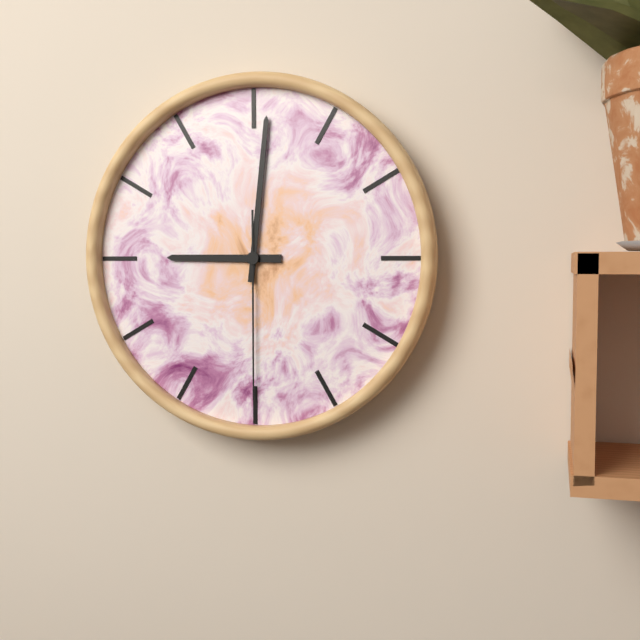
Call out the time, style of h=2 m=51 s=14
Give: h=9 m=1 s=30
